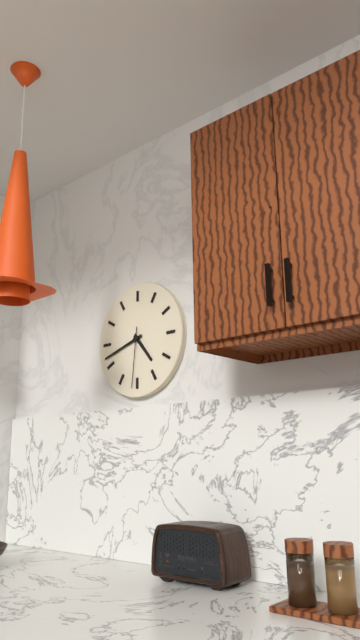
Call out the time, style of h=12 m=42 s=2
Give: h=4 m=42 s=31
